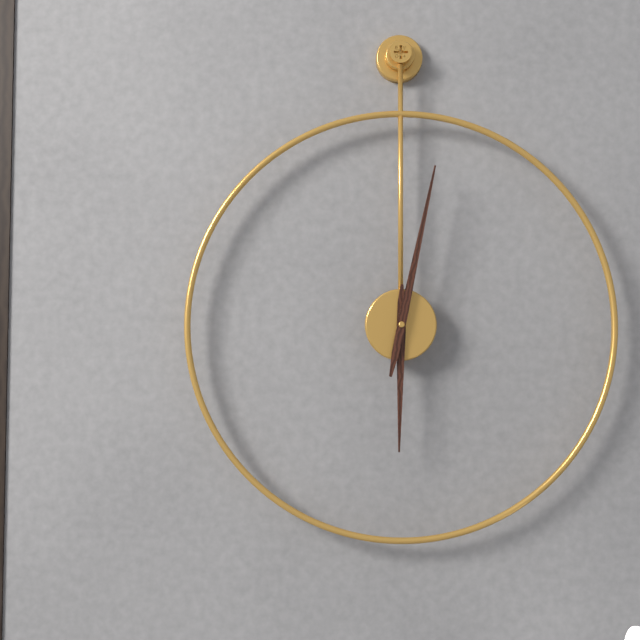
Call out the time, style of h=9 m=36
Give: h=6 m=2
